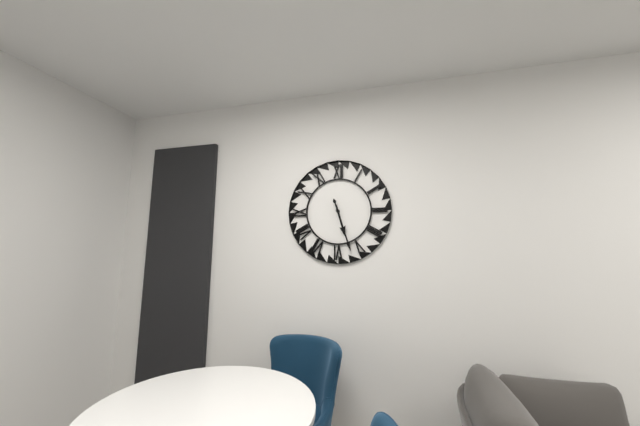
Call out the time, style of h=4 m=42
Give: h=5 m=27
